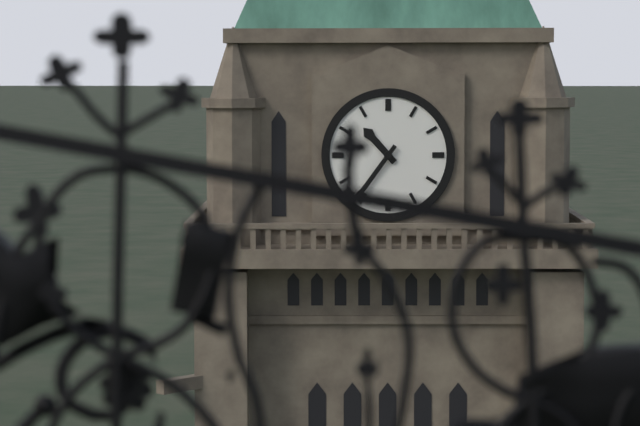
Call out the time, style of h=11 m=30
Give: h=10 m=36
